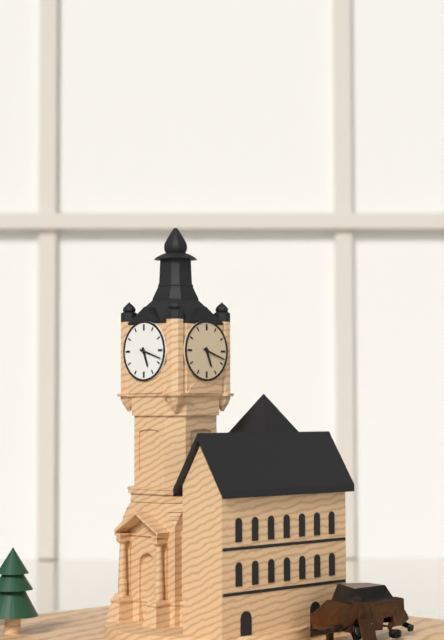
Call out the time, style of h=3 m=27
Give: h=5 m=18
